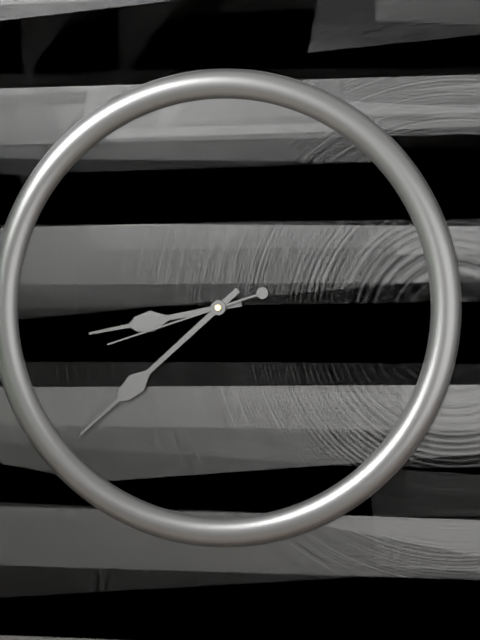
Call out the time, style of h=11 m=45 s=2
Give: h=8 m=38 s=42
